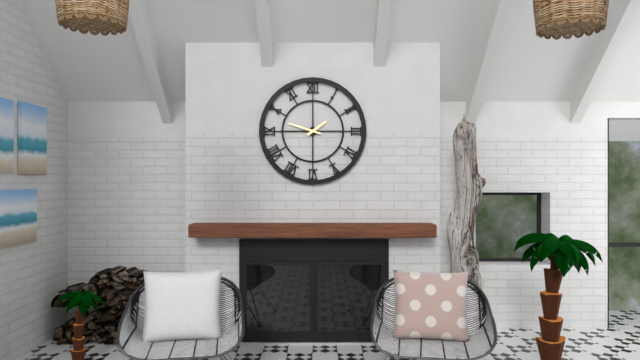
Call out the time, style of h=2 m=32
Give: h=1 m=48
